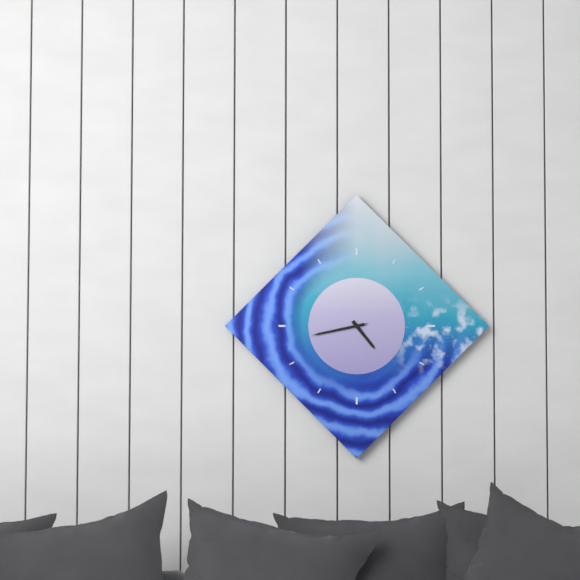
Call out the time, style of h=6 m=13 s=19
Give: h=4 m=43 s=43
